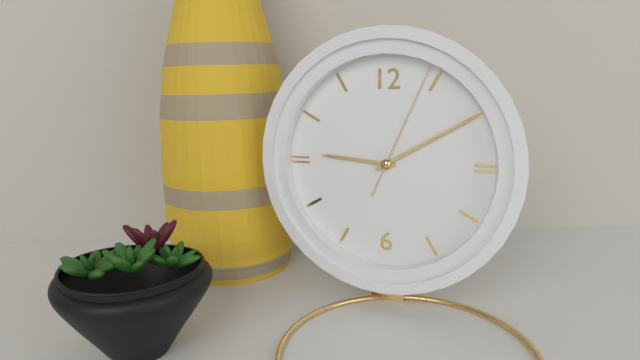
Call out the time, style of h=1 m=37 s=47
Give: h=9 m=10 s=4
